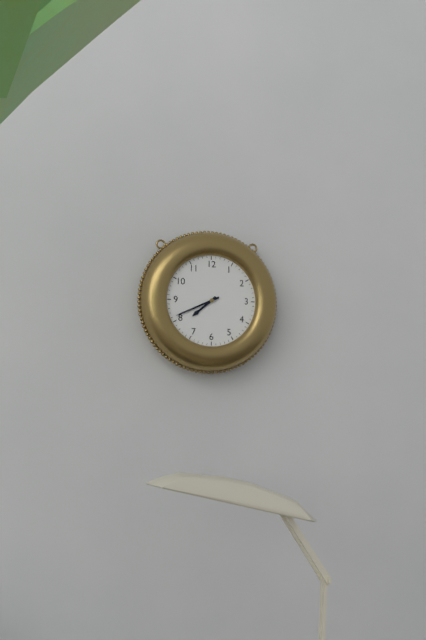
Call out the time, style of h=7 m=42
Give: h=7 m=41
